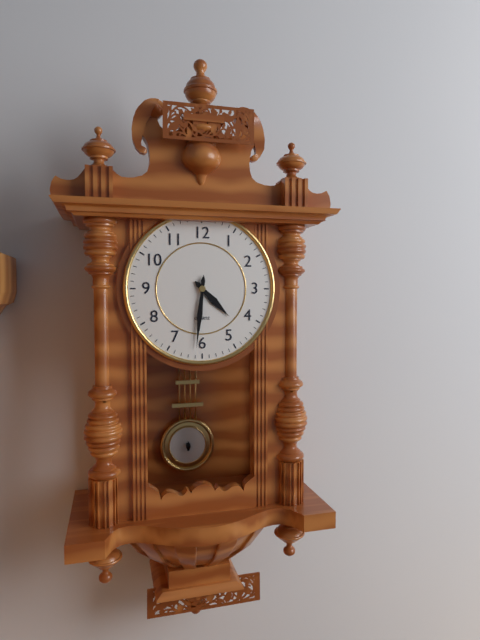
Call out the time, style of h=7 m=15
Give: h=4 m=31
